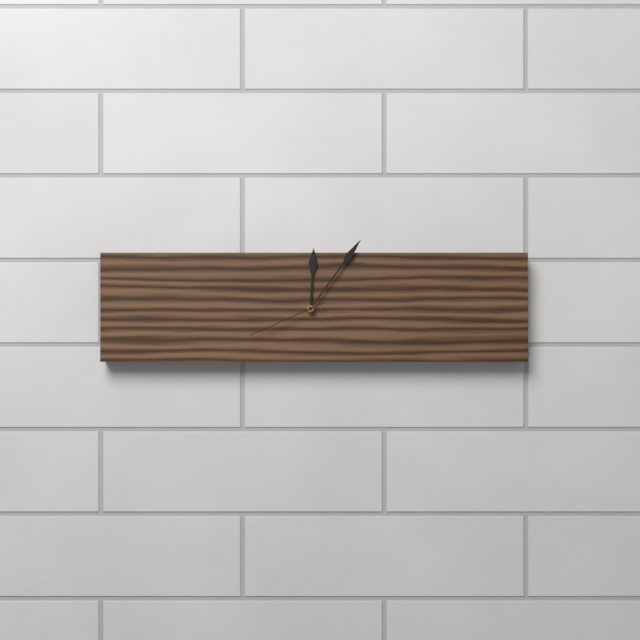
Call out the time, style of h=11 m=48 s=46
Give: h=12 m=6 s=41
